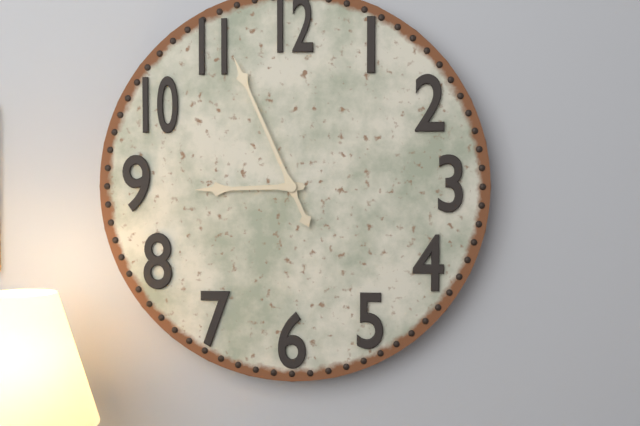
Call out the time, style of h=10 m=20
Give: h=8 m=56
